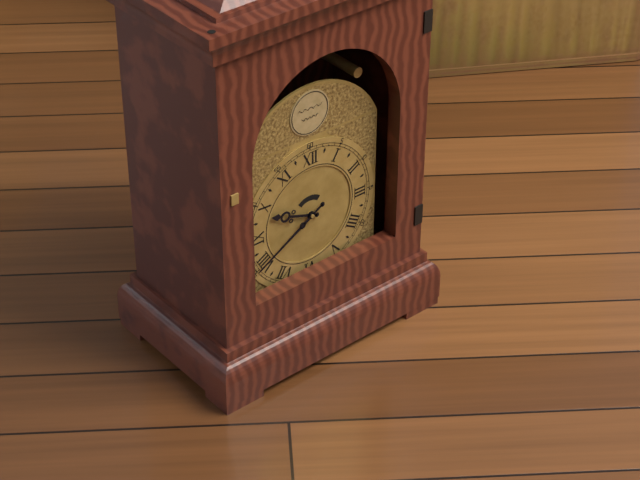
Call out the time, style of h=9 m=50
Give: h=9 m=40
